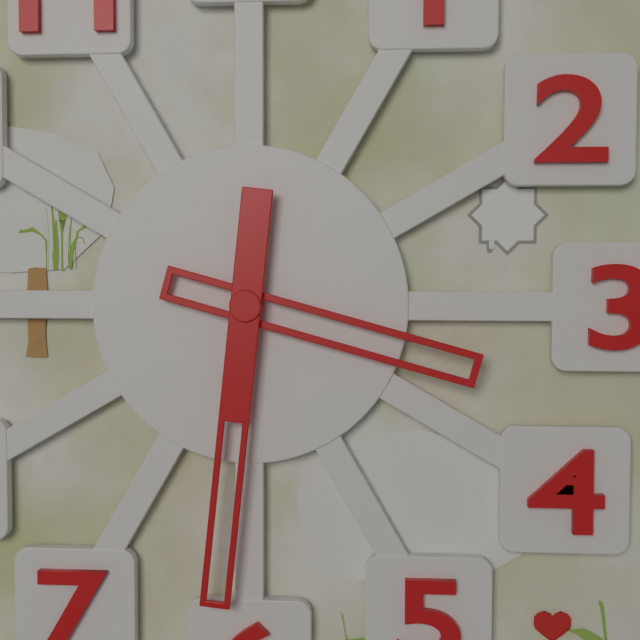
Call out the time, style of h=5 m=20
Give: h=3 m=31
